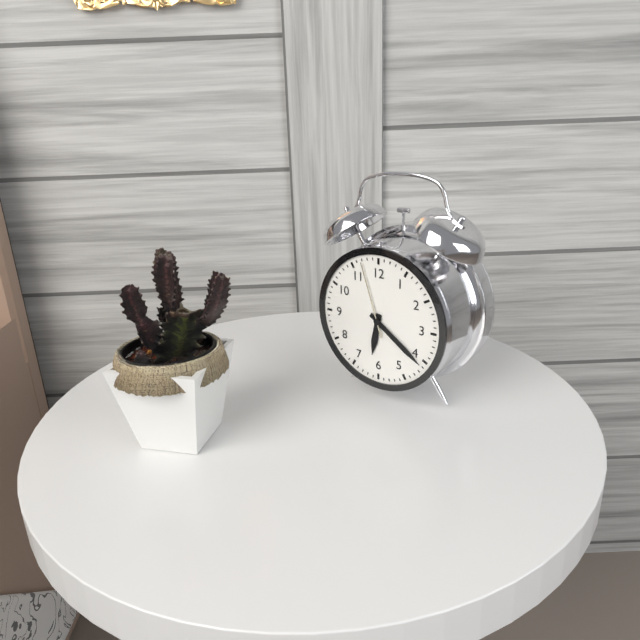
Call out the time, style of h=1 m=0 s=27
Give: h=6 m=21 s=57
